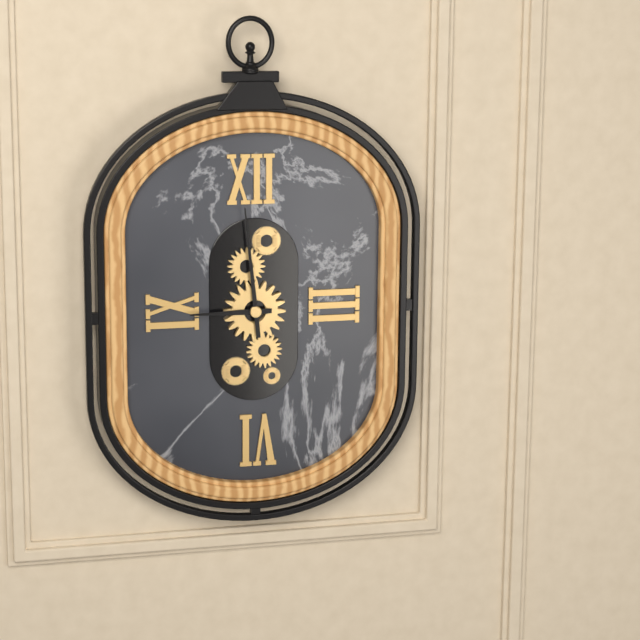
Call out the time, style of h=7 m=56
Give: h=8 m=59
